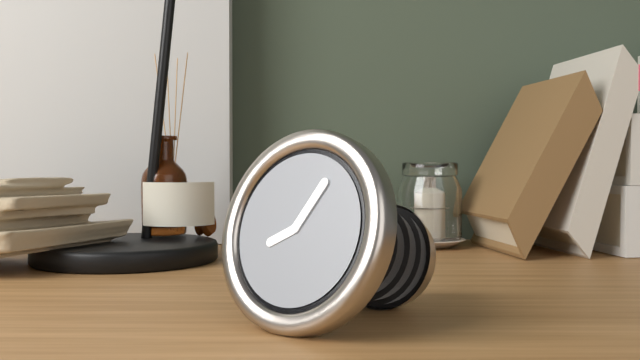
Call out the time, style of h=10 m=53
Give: h=8 m=5
